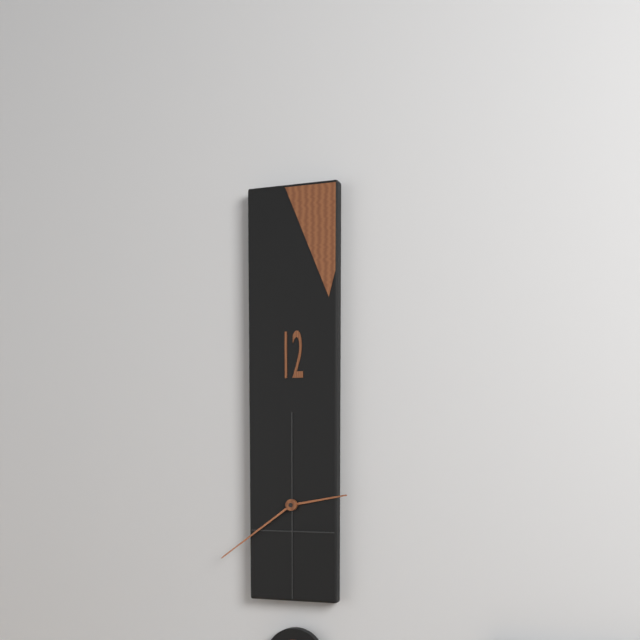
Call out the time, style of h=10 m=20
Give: h=2 m=39
